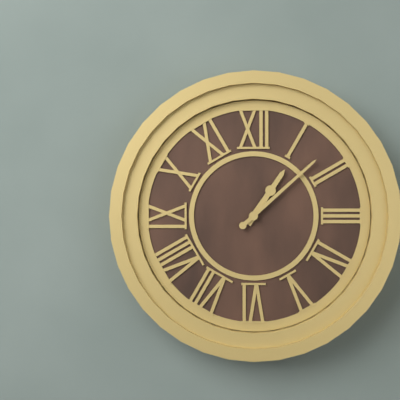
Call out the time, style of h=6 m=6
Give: h=1 m=8
